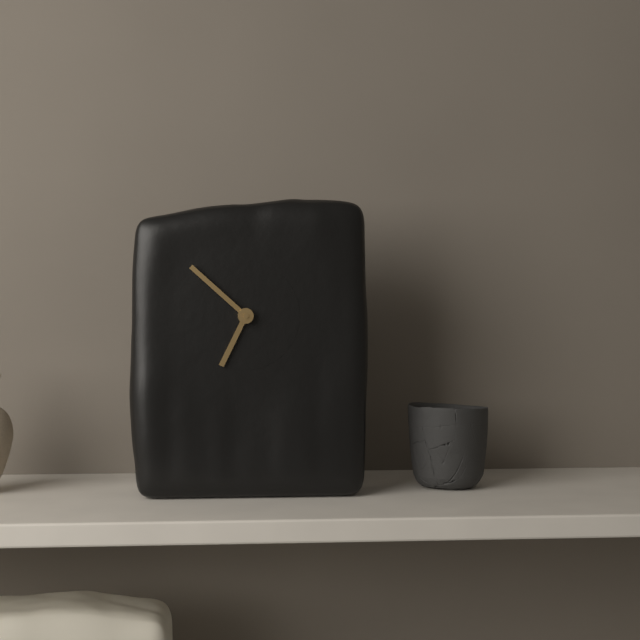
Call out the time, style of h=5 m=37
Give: h=6 m=52
